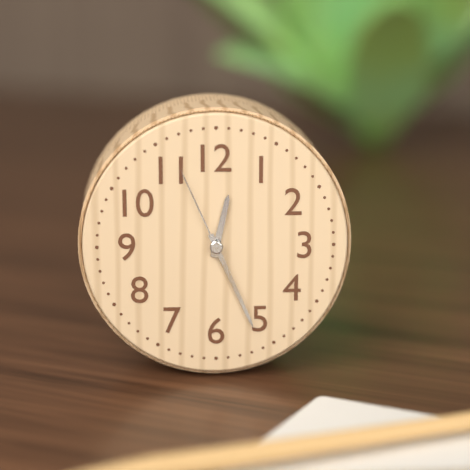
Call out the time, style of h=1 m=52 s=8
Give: h=12 m=26 s=56
